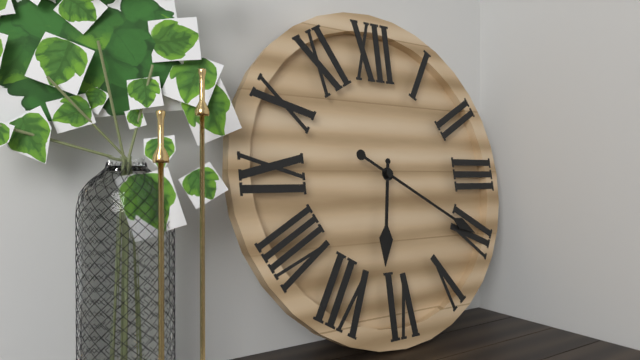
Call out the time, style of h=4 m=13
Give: h=6 m=20
